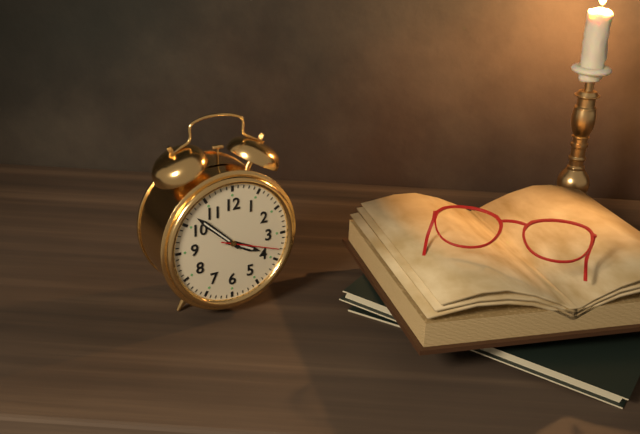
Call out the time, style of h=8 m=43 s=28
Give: h=3 m=52 s=18
